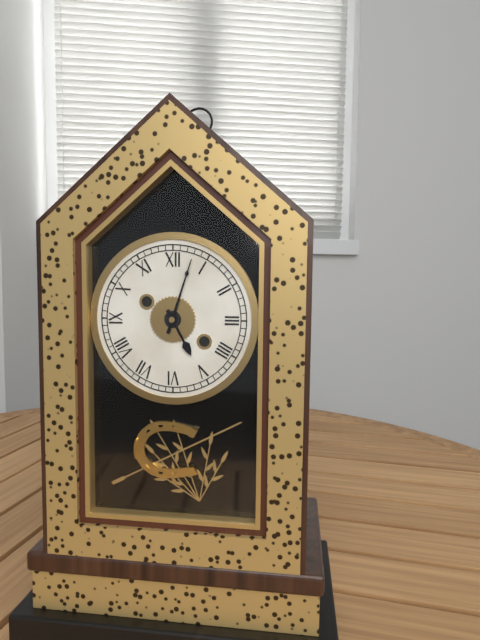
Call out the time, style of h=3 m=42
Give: h=5 m=3
